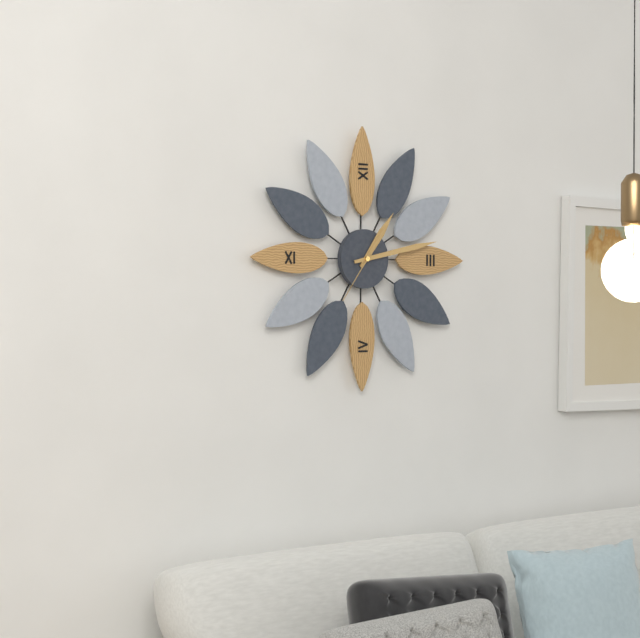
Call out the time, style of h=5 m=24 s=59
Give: h=1 m=13 s=36
